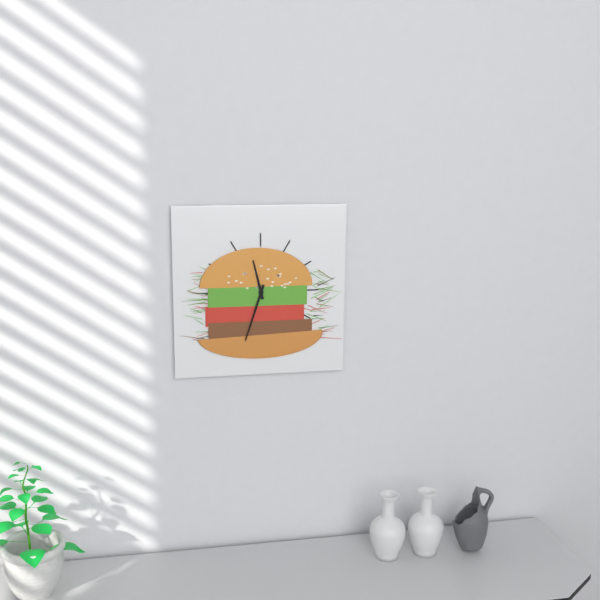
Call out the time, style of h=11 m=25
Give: h=11 m=33
